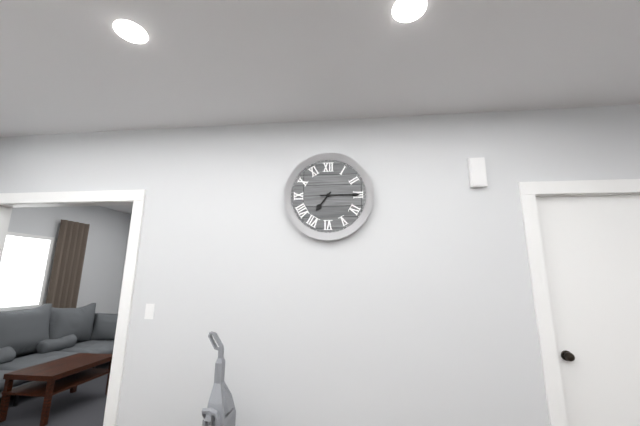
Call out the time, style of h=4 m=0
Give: h=7 m=15
